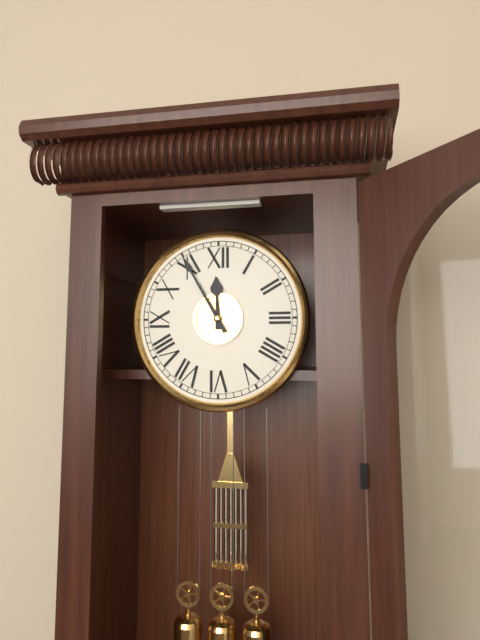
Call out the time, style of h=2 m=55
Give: h=11 m=55
